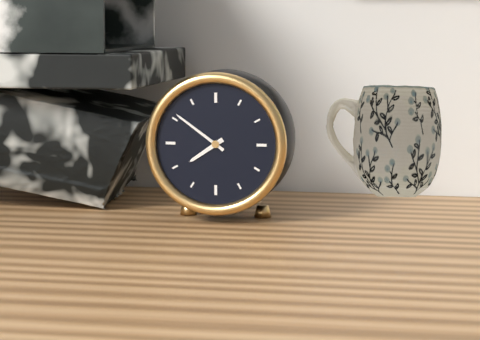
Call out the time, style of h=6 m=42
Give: h=7 m=51
